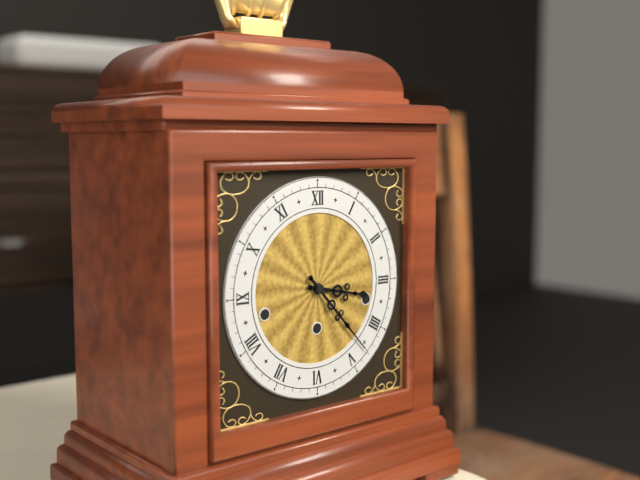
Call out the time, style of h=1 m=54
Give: h=3 m=23
